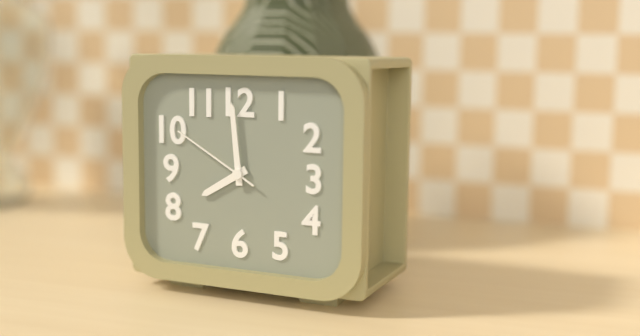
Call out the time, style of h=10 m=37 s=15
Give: h=7 m=59 s=50
